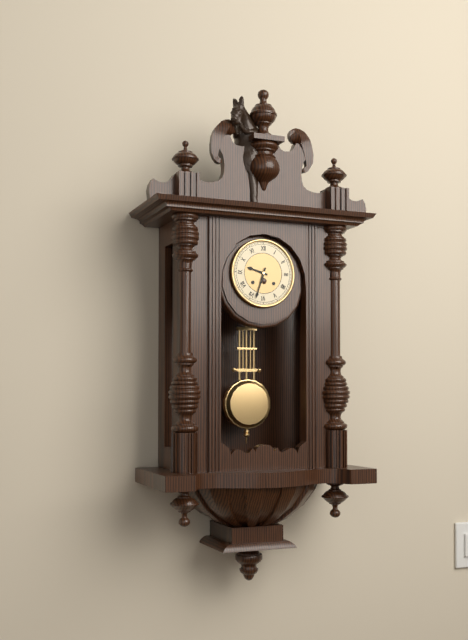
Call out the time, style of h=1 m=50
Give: h=9 m=33
